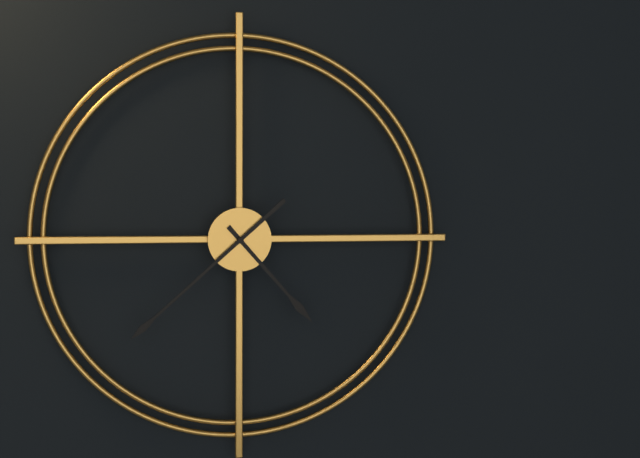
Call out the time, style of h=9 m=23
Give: h=4 m=38
